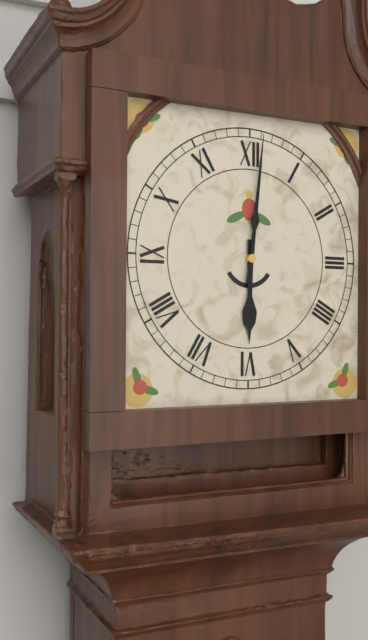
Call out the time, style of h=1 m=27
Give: h=6 m=1
